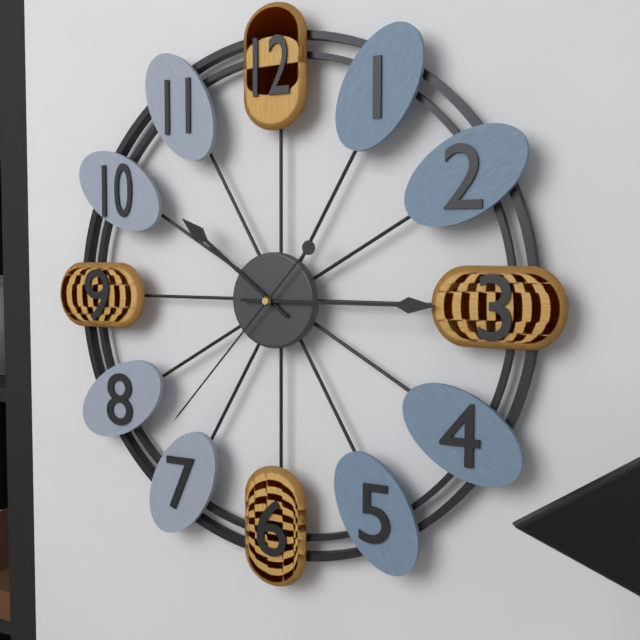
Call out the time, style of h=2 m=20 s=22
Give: h=10 m=15 s=37
